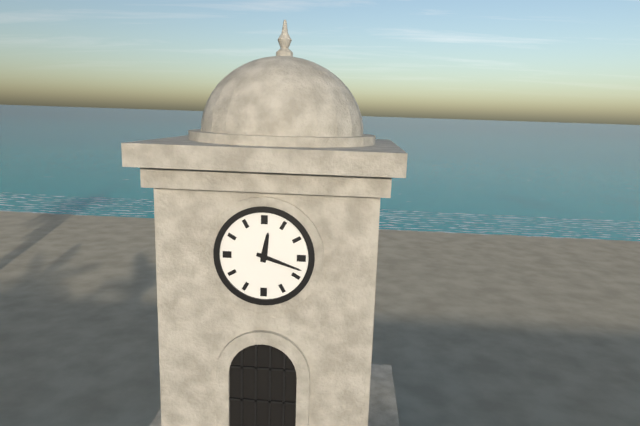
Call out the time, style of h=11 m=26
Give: h=12 m=18
